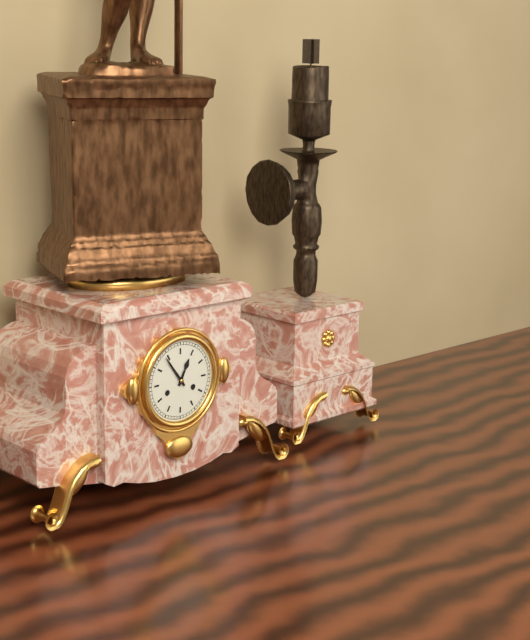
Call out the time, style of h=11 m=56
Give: h=12 m=54
